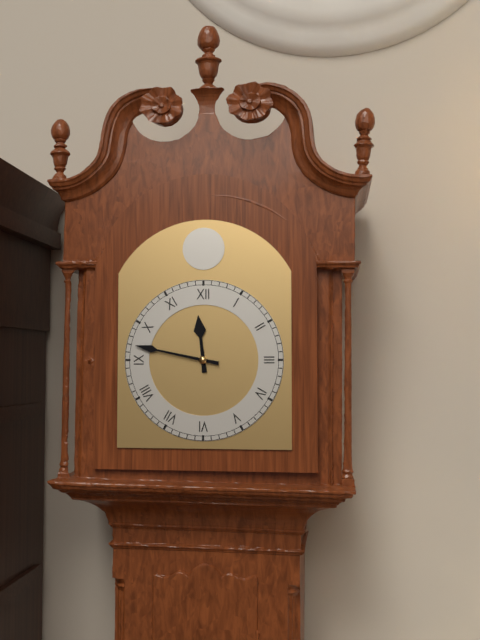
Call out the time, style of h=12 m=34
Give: h=11 m=47
